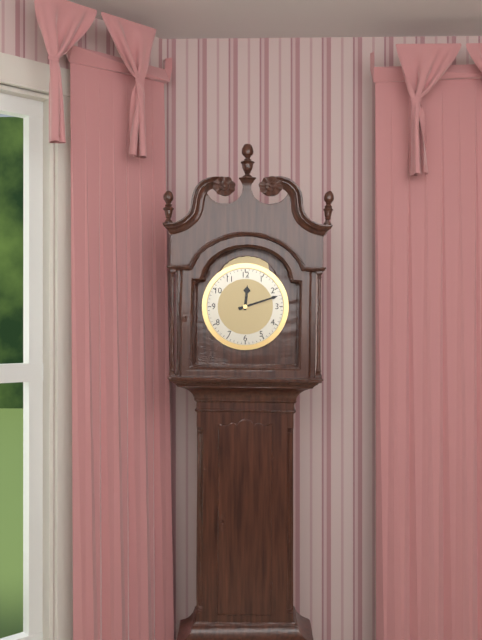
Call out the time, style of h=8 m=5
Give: h=12 m=12
